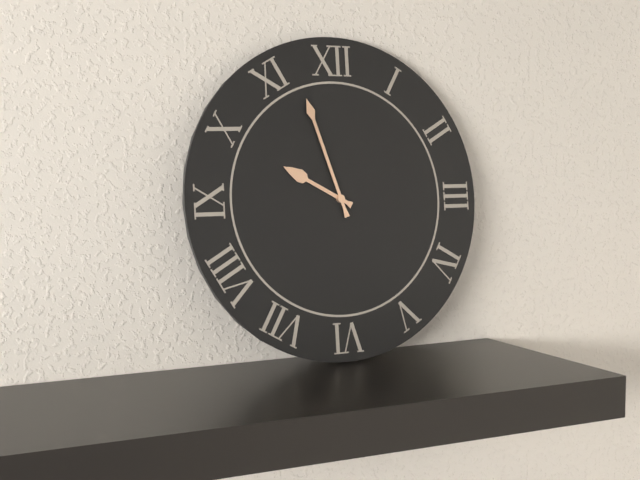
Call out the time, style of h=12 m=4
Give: h=9 m=57
